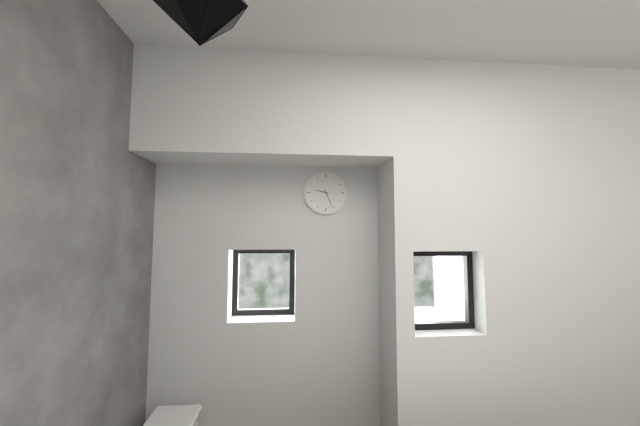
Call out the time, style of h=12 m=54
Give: h=9 m=26
